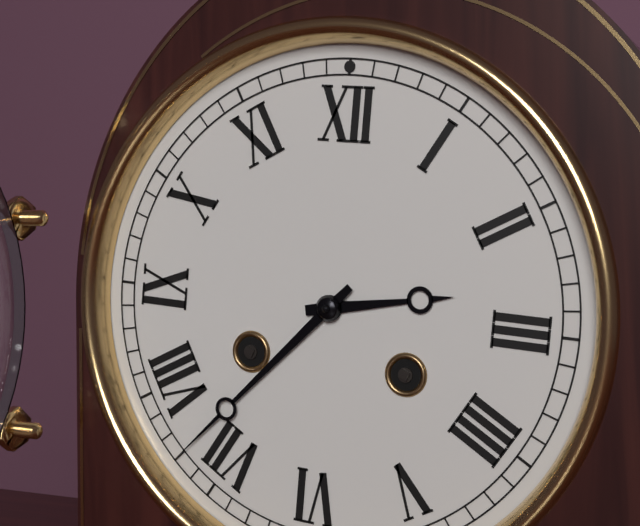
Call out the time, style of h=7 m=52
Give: h=2 m=37
